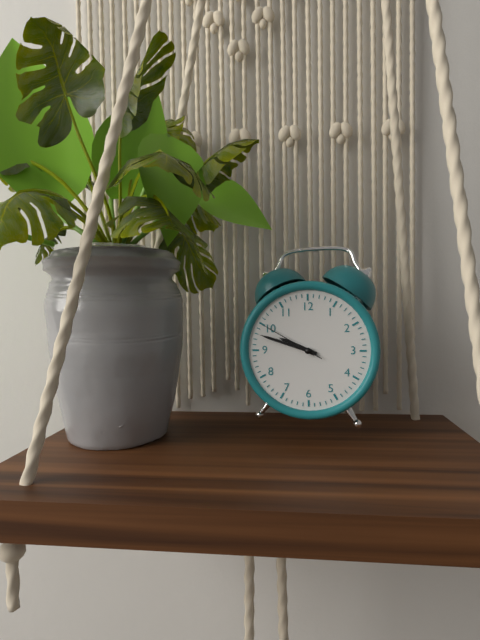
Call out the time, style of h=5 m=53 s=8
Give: h=9 m=48 s=50
